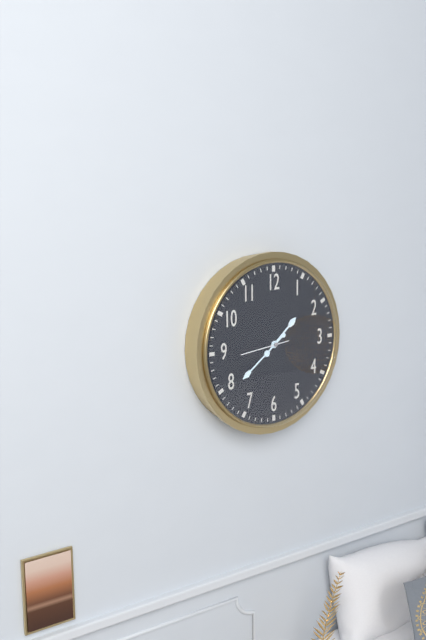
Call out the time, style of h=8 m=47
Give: h=1 m=39
